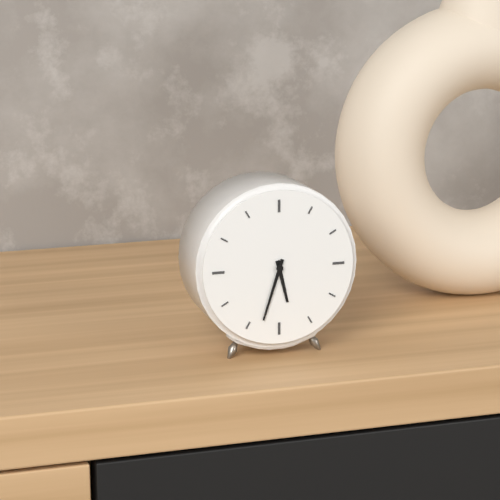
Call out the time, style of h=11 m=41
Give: h=5 m=33
